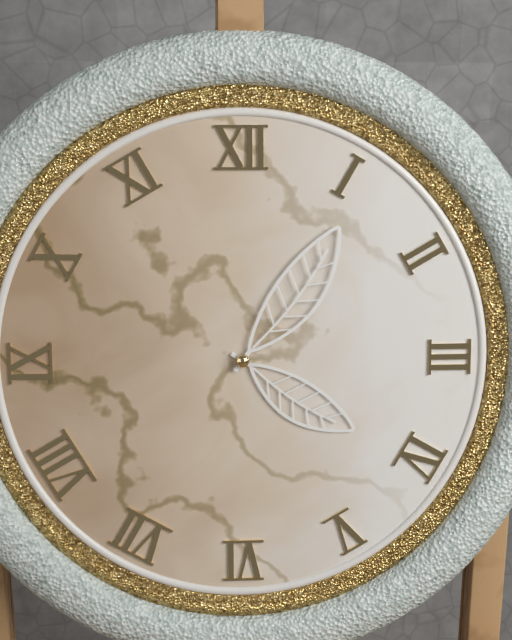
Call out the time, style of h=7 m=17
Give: h=4 m=6
